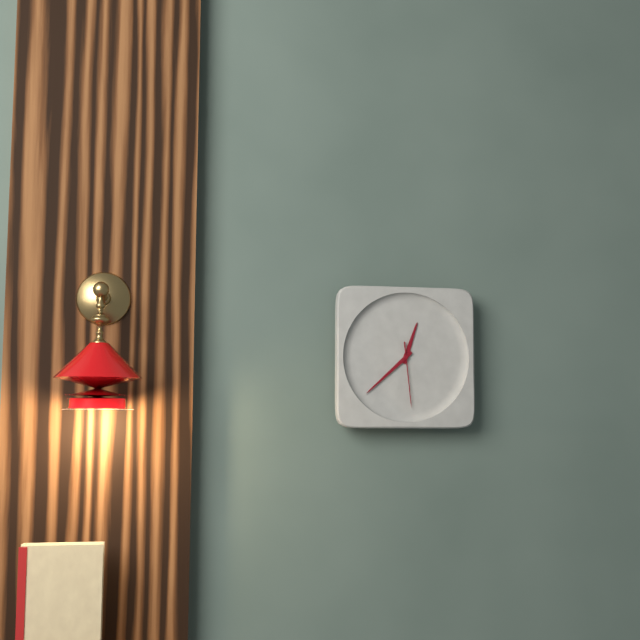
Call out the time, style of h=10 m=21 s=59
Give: h=12 m=38 s=29
